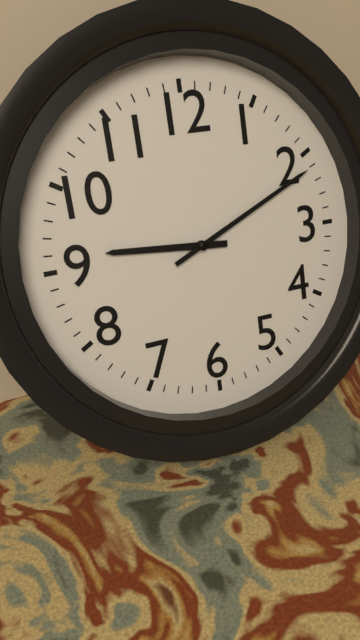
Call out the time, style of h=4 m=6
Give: h=9 m=11
